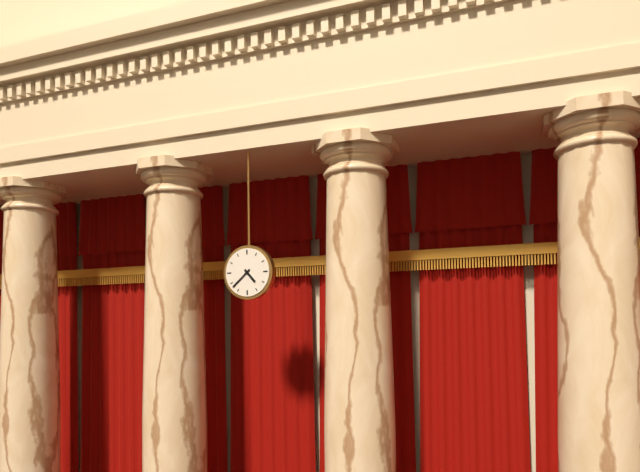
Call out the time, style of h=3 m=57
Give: h=4 m=38
